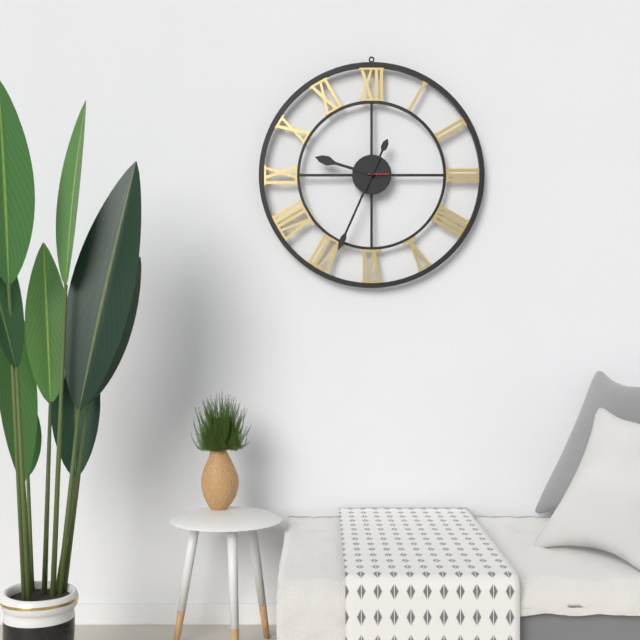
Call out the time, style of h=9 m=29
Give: h=9 m=34
